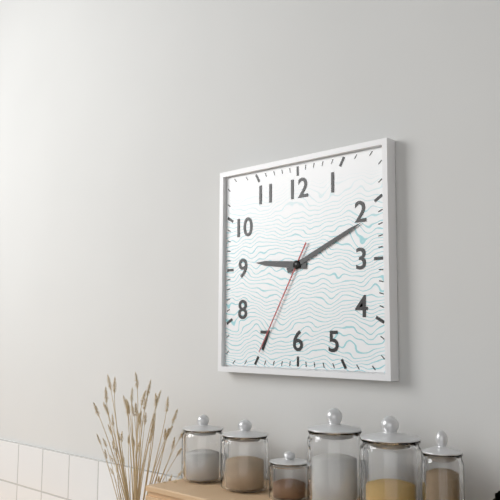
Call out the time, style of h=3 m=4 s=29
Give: h=9 m=11 s=35
